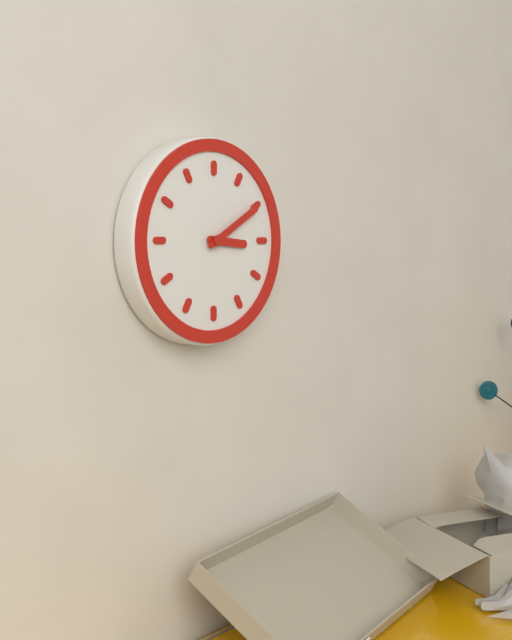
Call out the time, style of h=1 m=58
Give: h=3 m=10
